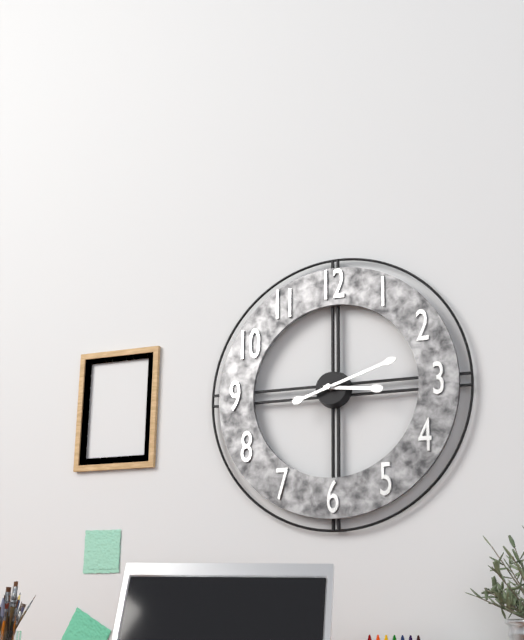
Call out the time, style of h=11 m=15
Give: h=3 m=12
